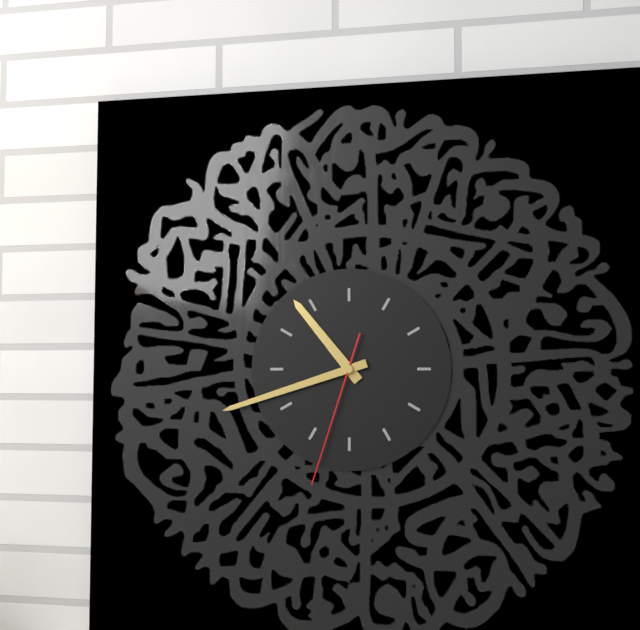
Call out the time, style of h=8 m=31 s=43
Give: h=10 m=42 s=33
